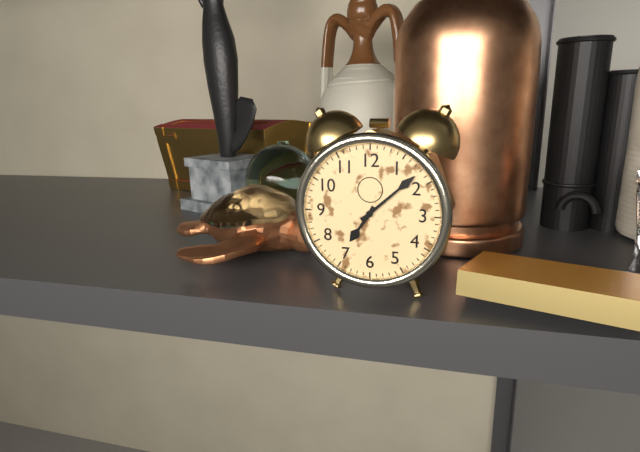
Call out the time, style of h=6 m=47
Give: h=7 m=8
